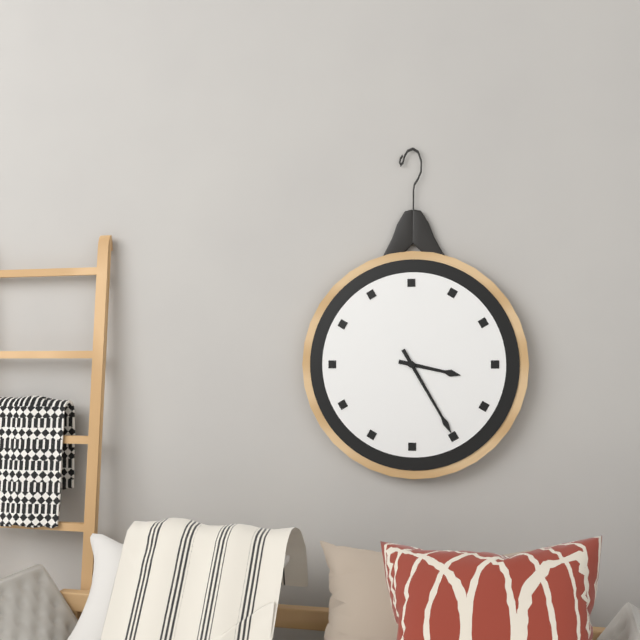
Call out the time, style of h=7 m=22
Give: h=3 m=25
